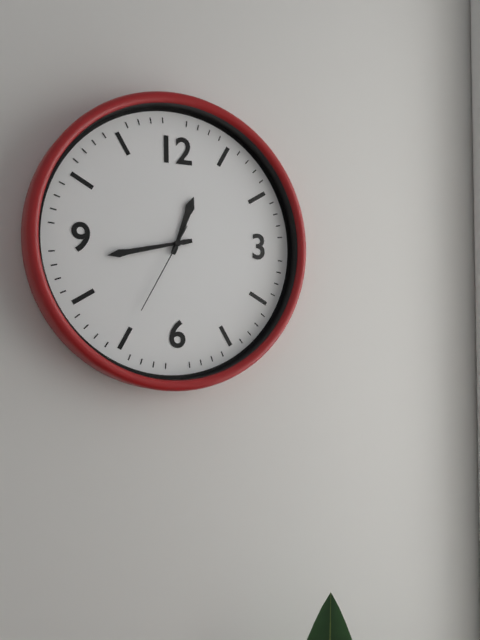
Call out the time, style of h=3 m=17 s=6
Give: h=12 m=43 s=35
